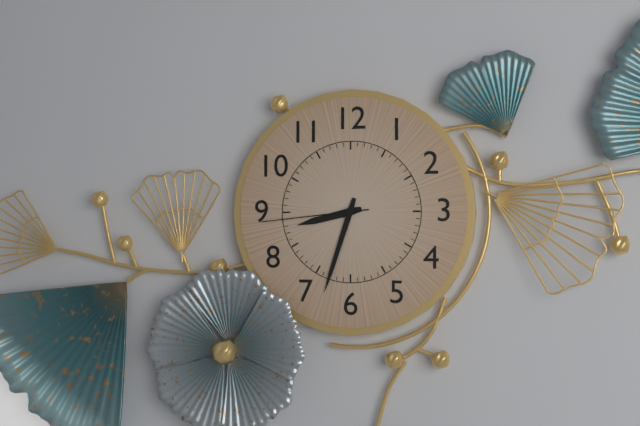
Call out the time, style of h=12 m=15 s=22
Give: h=8 m=33 s=44
